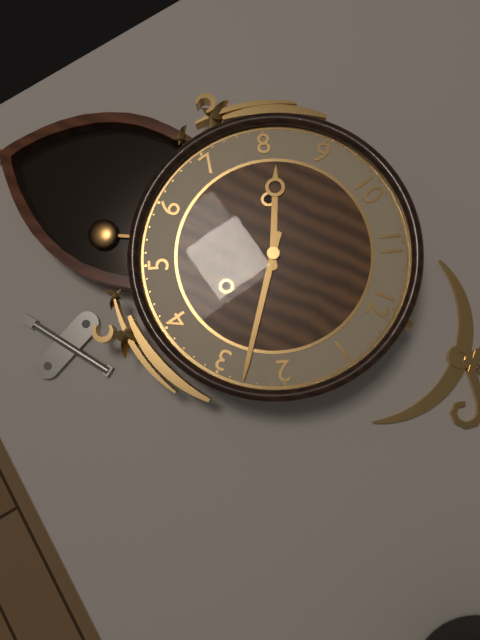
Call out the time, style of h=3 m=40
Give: h=8 m=13
